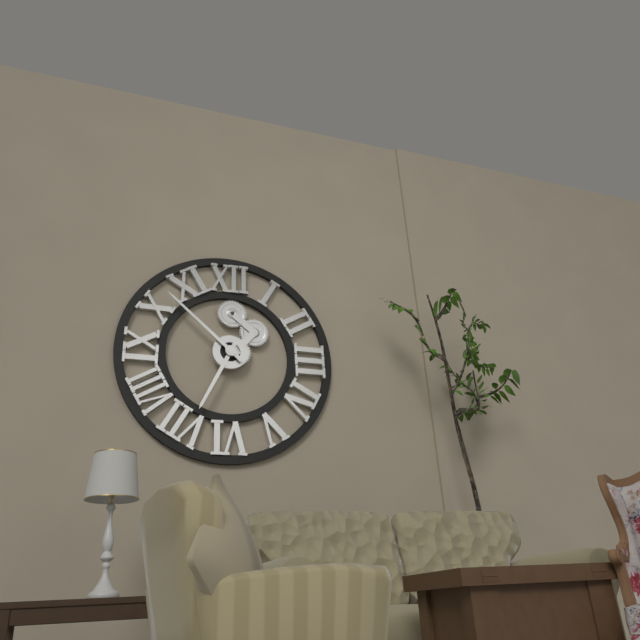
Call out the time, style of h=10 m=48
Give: h=6 m=52
